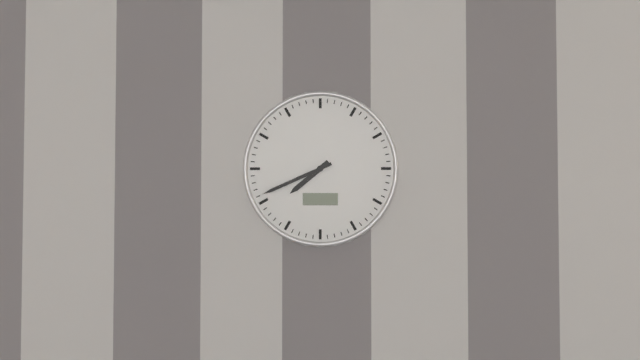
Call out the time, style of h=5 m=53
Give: h=7 m=41
